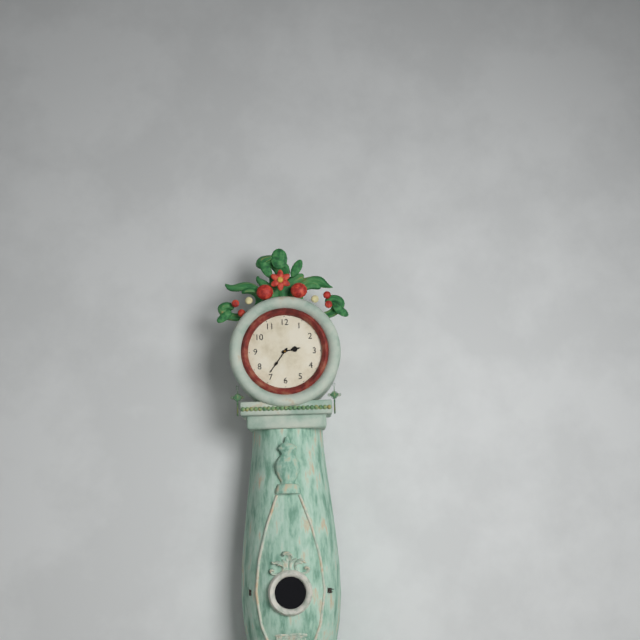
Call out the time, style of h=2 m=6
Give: h=2 m=36
